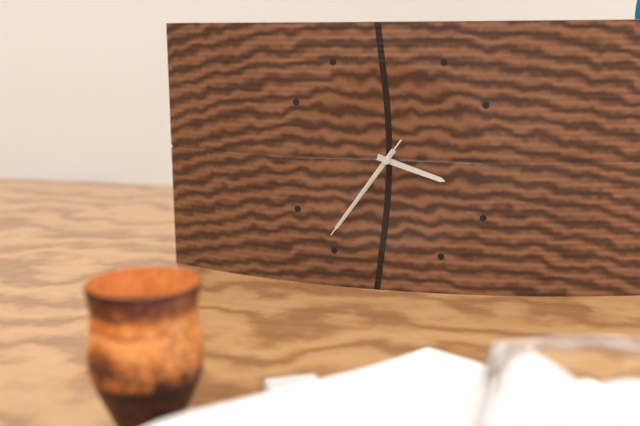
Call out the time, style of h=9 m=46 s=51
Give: h=3 m=36 s=36
